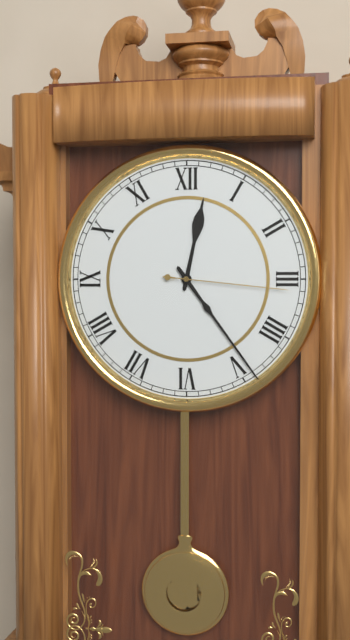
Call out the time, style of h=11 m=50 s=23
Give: h=12 m=24 s=16
